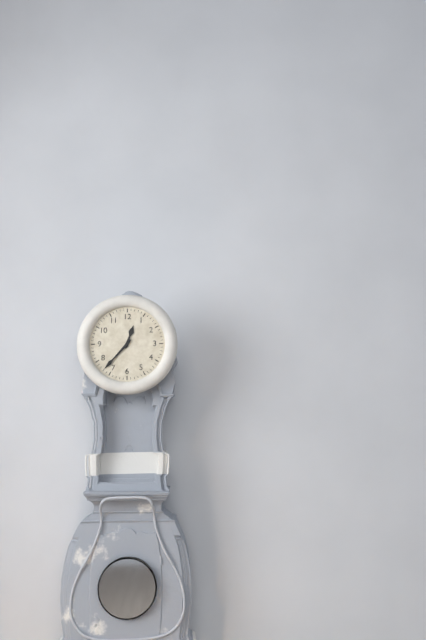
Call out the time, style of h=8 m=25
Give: h=12 m=37
